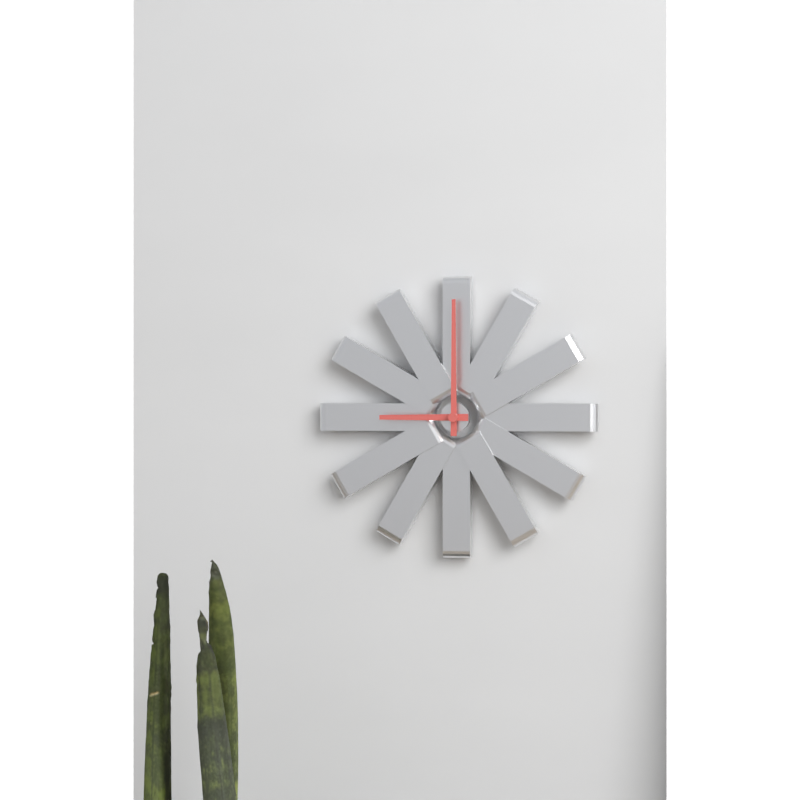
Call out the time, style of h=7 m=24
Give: h=9 m=0
